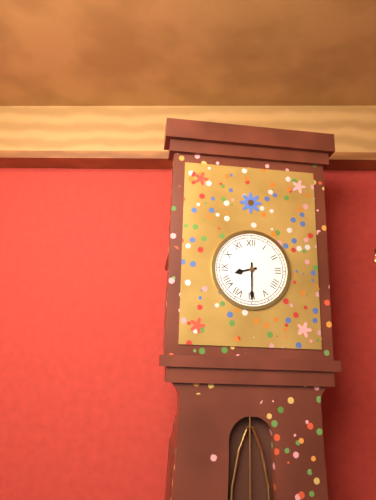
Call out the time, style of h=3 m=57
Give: h=8 m=30
